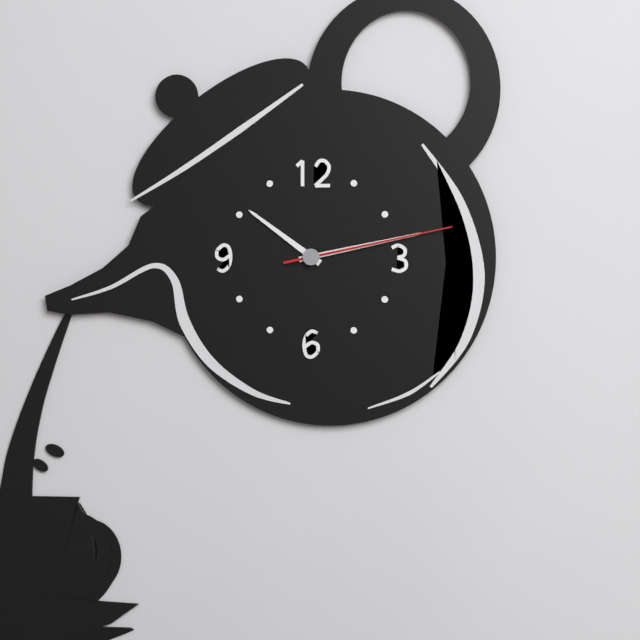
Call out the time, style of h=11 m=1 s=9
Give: h=10 m=13 s=13
